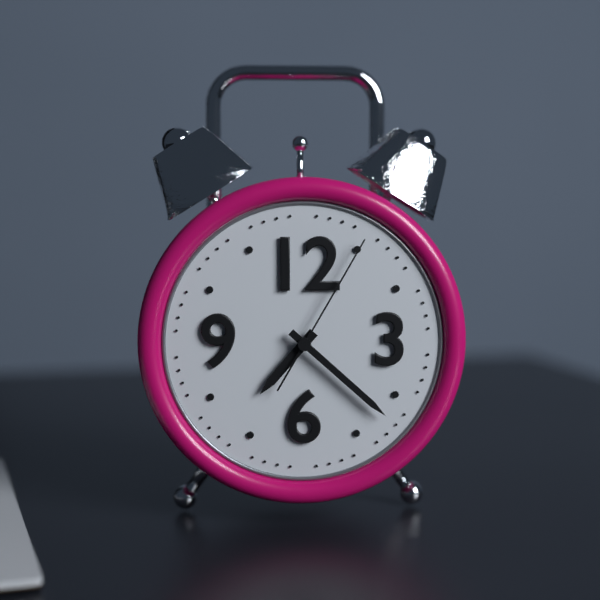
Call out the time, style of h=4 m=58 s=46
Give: h=7 m=22 s=5
